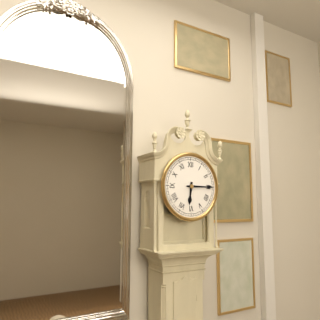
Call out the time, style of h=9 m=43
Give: h=6 m=15
